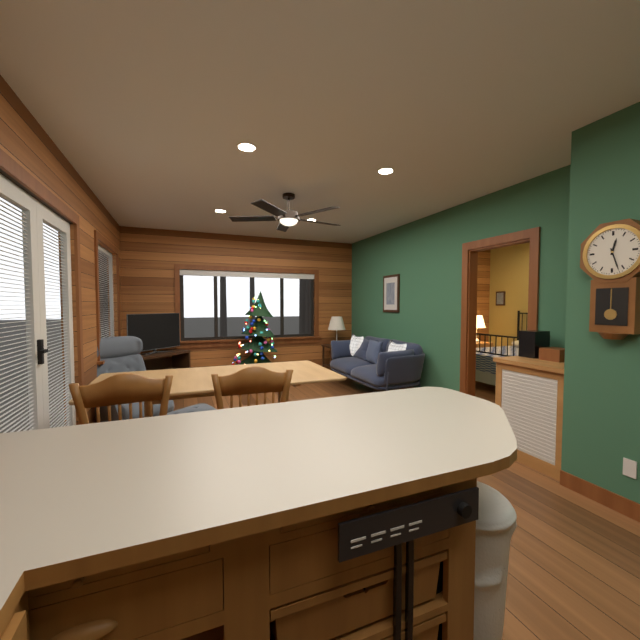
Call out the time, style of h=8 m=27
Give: h=12 m=27
